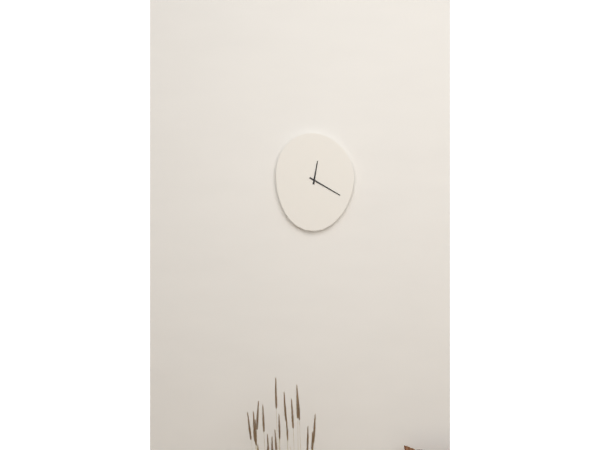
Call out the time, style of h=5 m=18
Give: h=12 m=20
